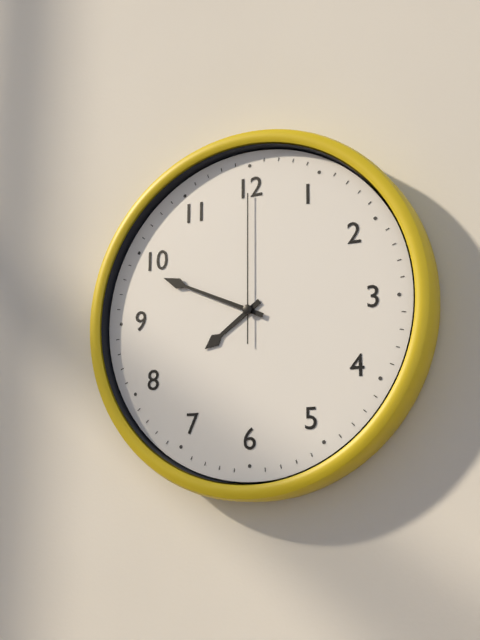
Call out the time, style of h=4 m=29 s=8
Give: h=7 m=49 s=0
